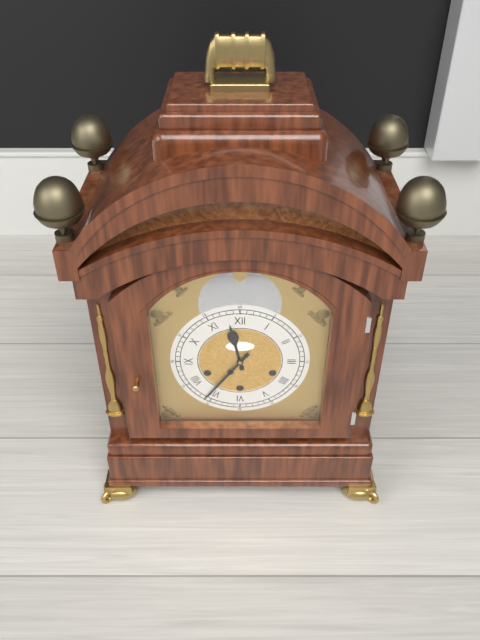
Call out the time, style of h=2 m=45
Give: h=11 m=36
